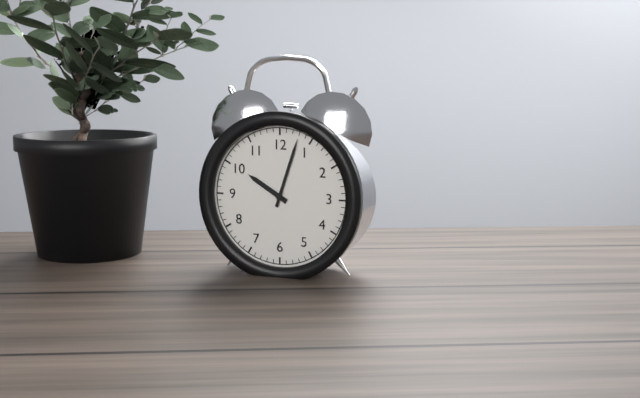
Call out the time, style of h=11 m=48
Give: h=10 m=3
